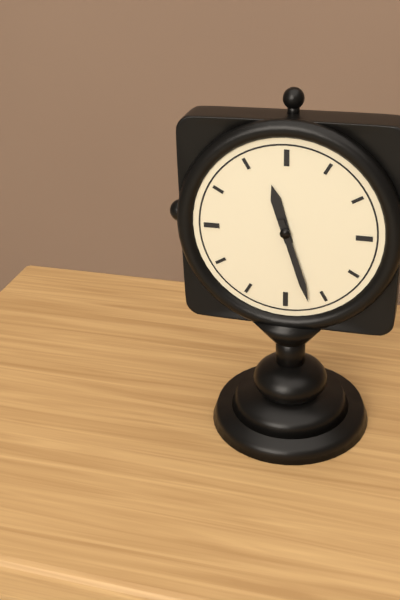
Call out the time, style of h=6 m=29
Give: h=11 m=27
